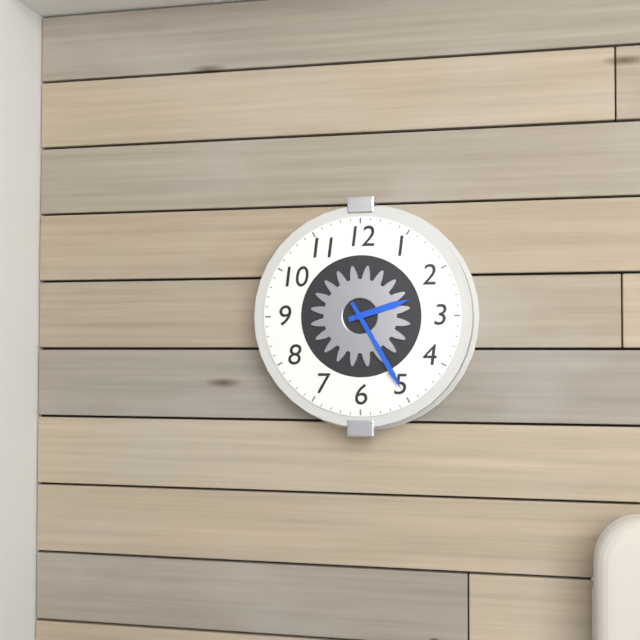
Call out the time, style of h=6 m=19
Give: h=2 m=25
